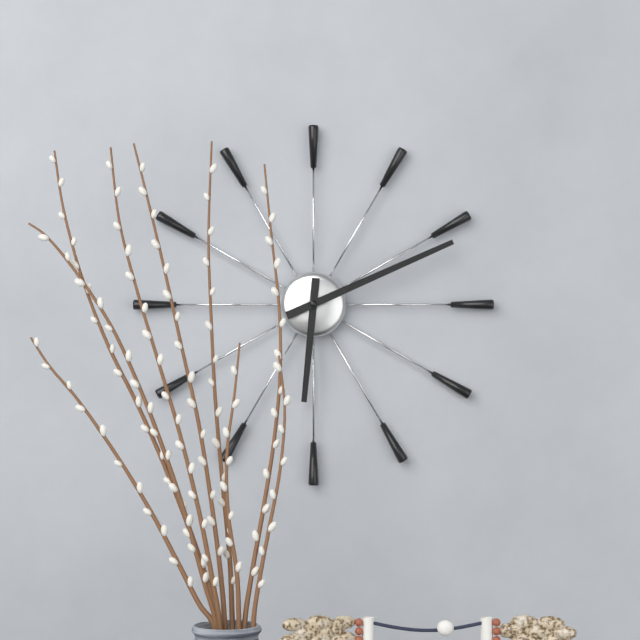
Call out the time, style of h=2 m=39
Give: h=6 m=11
